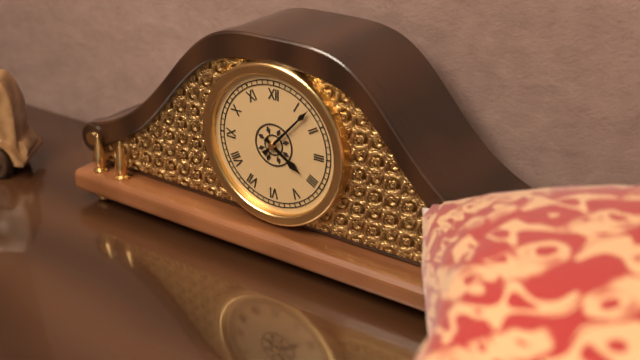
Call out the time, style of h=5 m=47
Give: h=4 m=7
